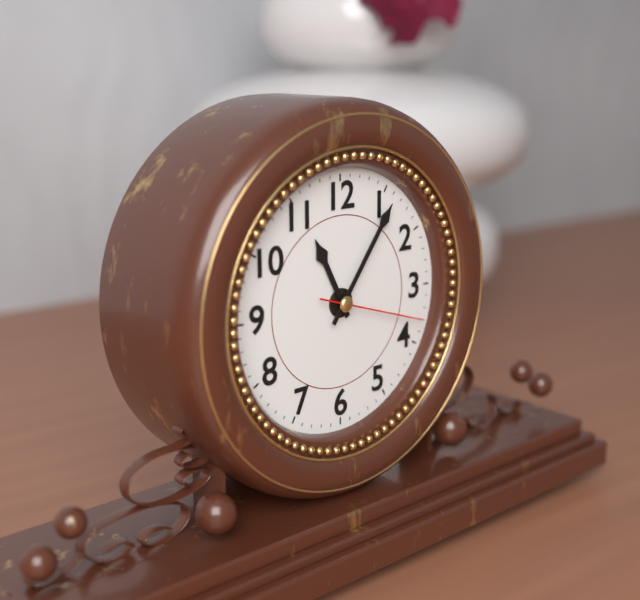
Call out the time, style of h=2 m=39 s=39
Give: h=11 m=6 s=18
